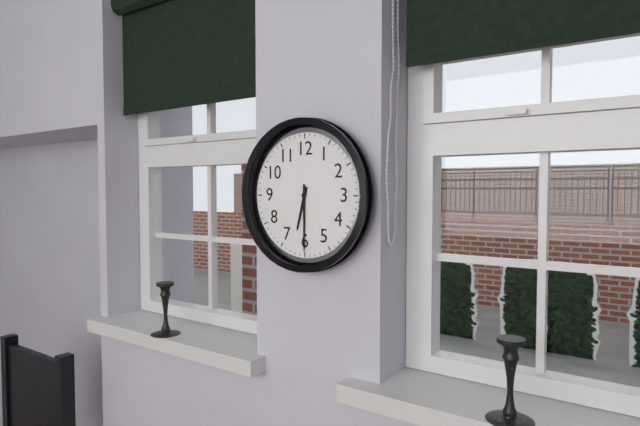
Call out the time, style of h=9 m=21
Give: h=6 m=30
